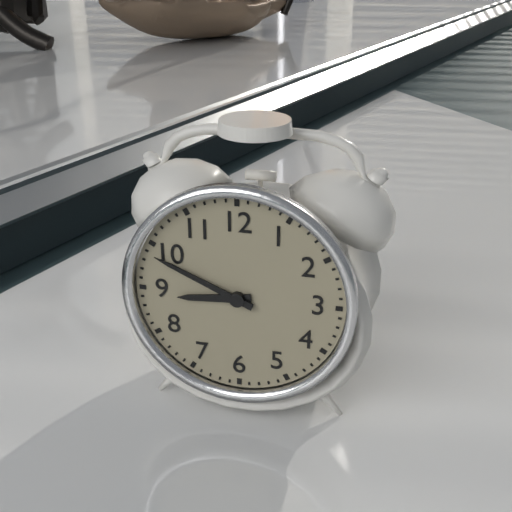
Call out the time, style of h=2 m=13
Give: h=8 m=49
